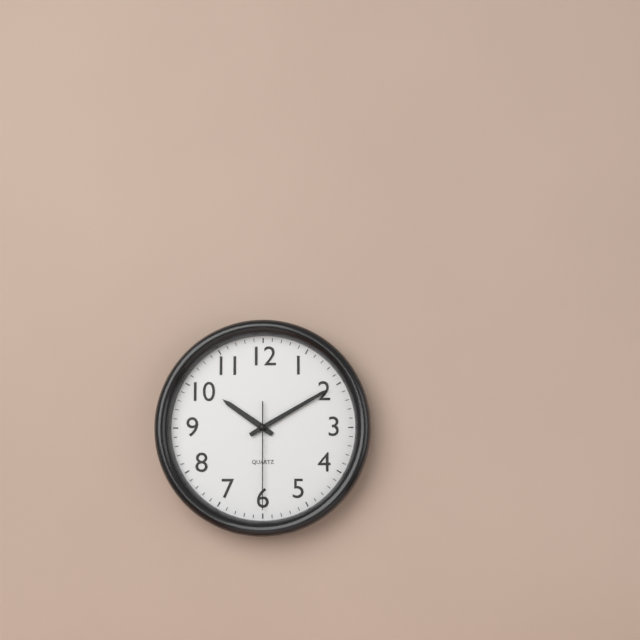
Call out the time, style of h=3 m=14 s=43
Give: h=10 m=10 s=30
